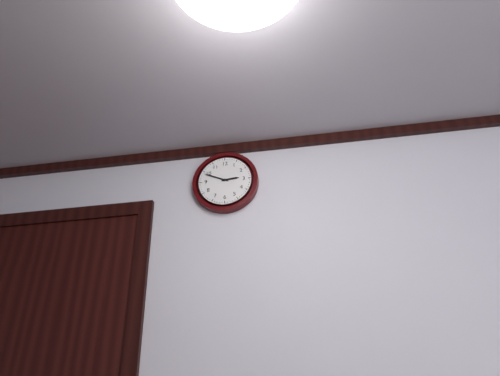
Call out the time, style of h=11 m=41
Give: h=2 m=49
